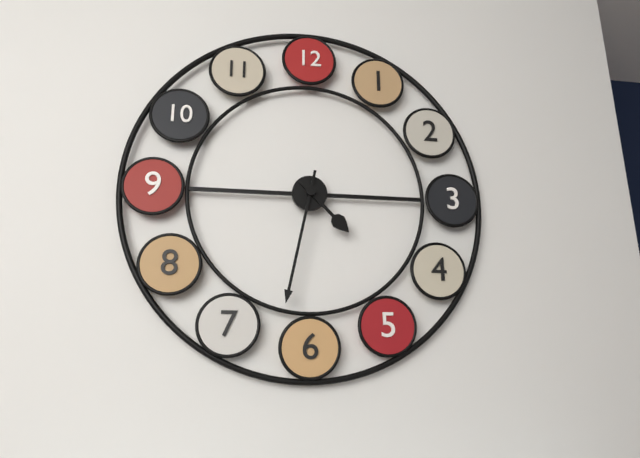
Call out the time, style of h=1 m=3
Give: h=4 m=32
